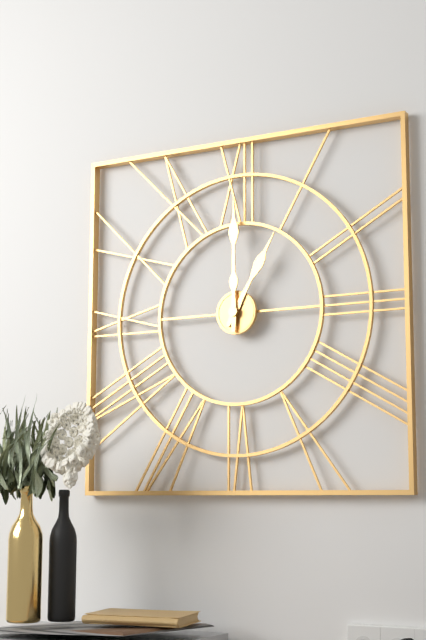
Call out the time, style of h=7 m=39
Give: h=1 m=0
